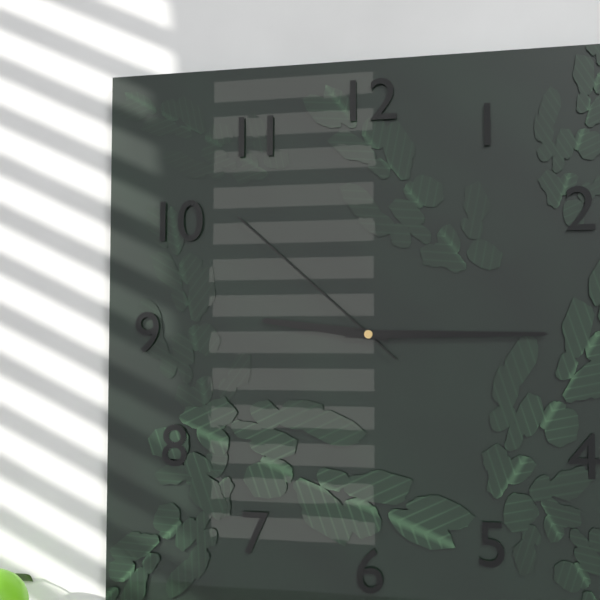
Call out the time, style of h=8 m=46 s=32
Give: h=9 m=15 s=52
